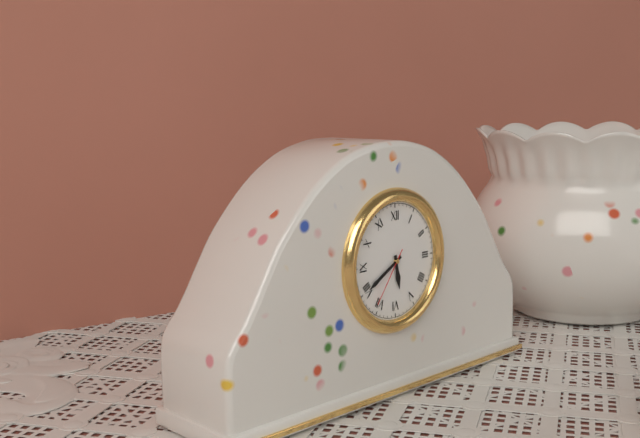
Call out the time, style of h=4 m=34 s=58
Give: h=5 m=40 s=36
